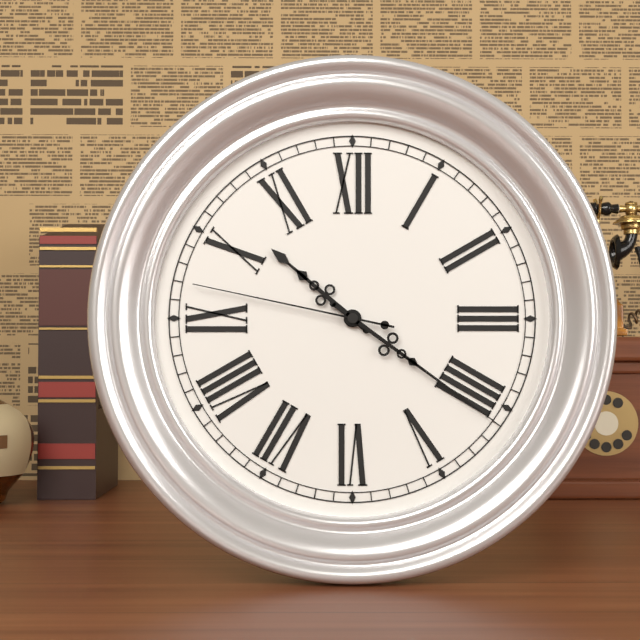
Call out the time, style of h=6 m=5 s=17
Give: h=10 m=21 s=47
